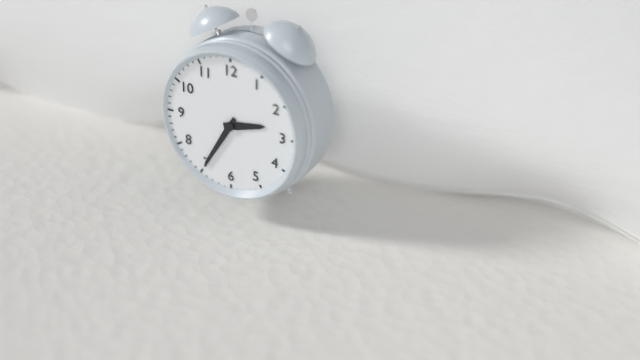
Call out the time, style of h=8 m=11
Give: h=2 m=35
